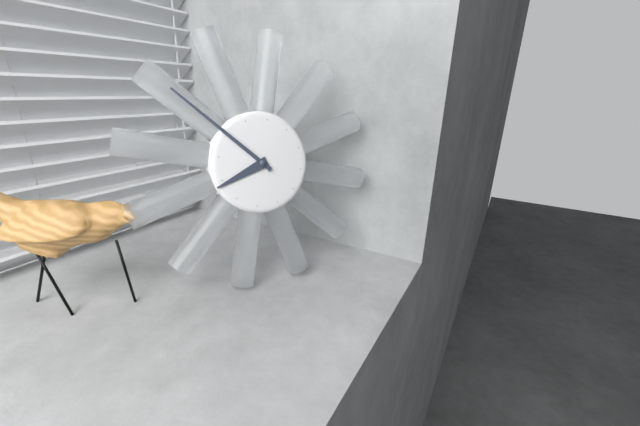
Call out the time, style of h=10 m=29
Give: h=7 m=50
